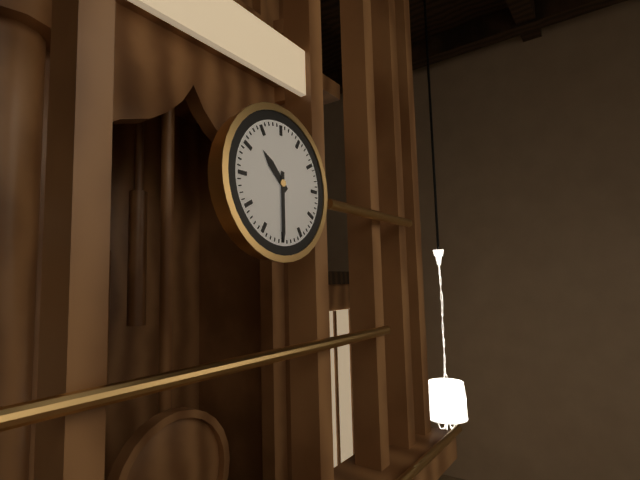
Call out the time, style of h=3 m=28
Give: h=10 m=30
